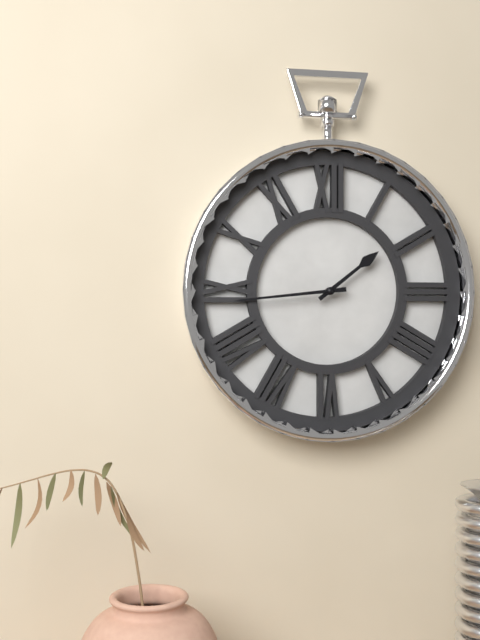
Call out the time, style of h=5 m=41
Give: h=1 m=44
